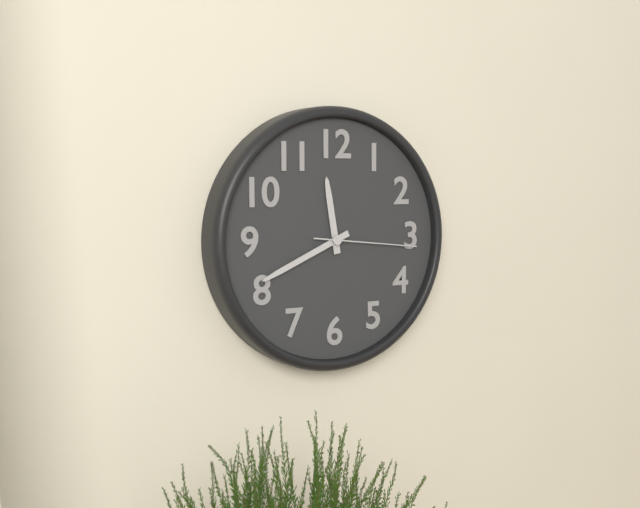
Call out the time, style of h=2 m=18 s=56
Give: h=11 m=41 s=16
